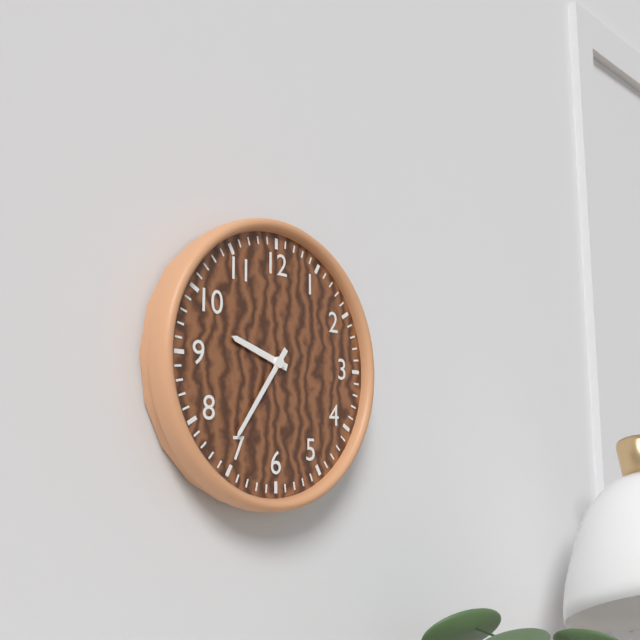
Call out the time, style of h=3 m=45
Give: h=9 m=36
